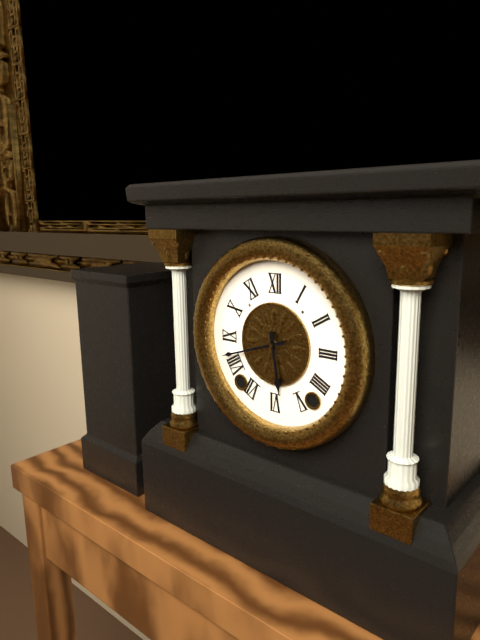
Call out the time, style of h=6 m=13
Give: h=5 m=42
